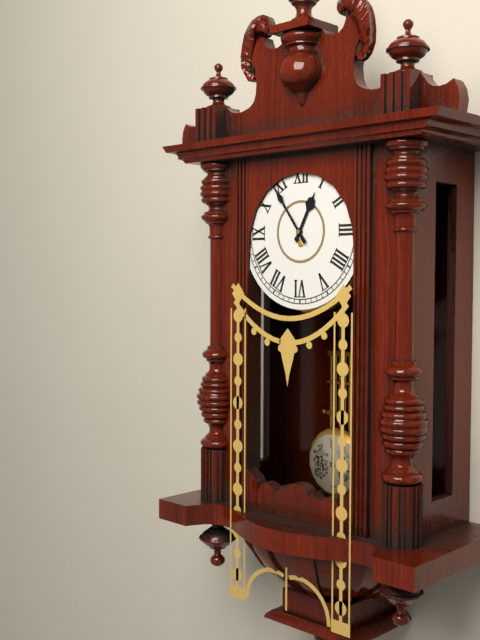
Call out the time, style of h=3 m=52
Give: h=12 m=54
